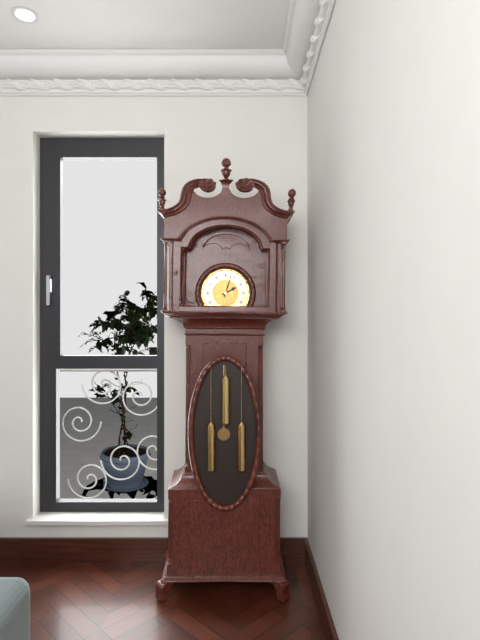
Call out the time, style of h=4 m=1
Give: h=2 m=3
